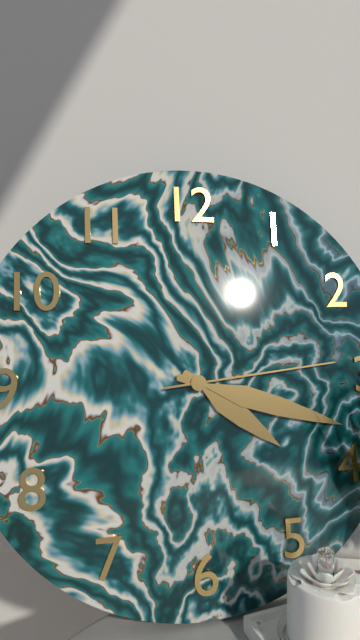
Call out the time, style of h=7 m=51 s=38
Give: h=4 m=18 s=14
